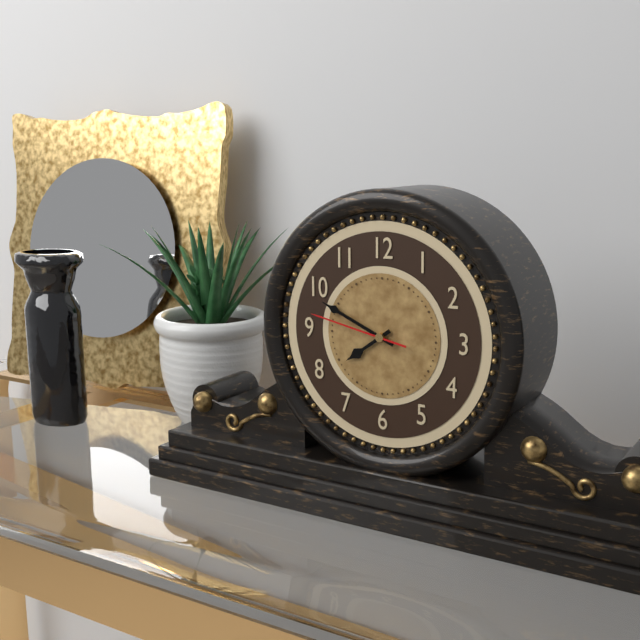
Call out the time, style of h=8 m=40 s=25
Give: h=7 m=49 s=47
